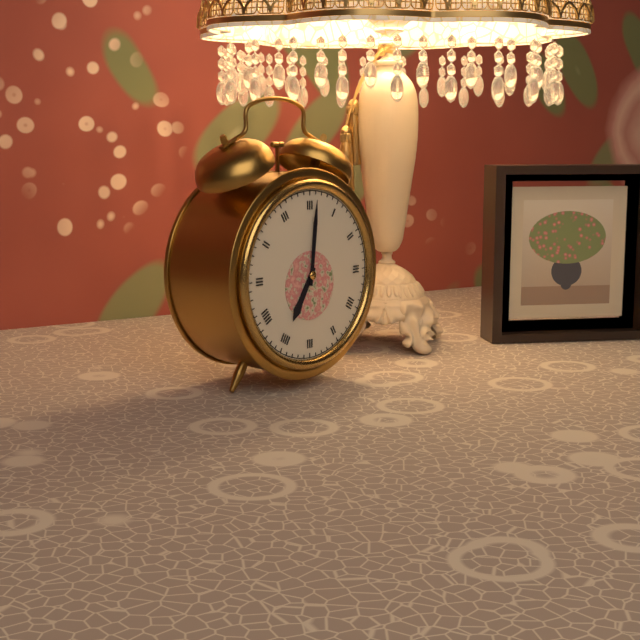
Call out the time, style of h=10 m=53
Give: h=7 m=1
